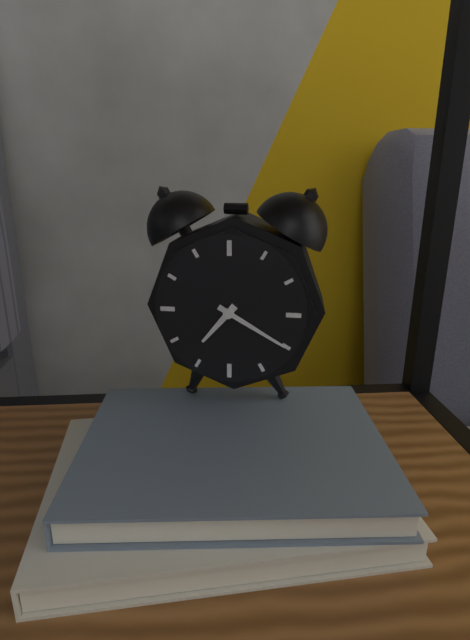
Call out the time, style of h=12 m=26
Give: h=7 m=20
